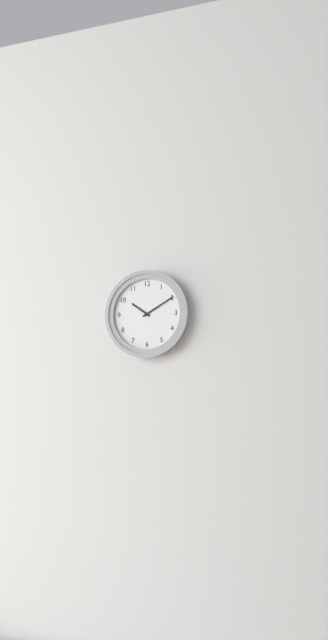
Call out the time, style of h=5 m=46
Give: h=10 m=10
